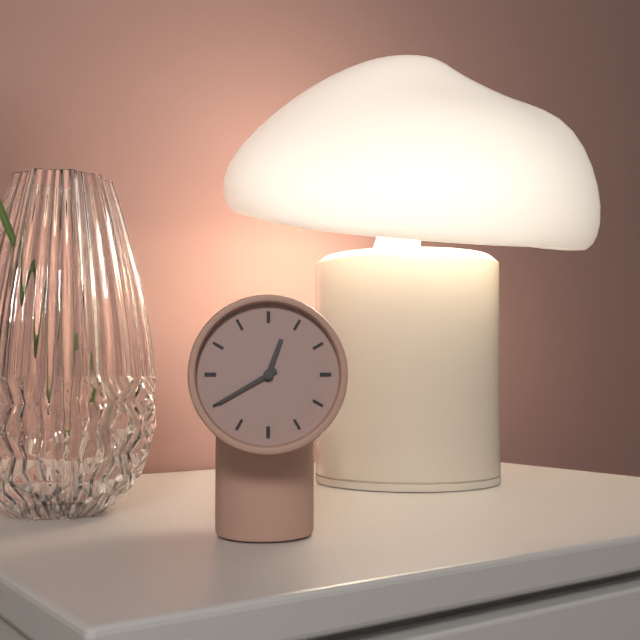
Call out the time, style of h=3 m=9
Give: h=12 m=40
